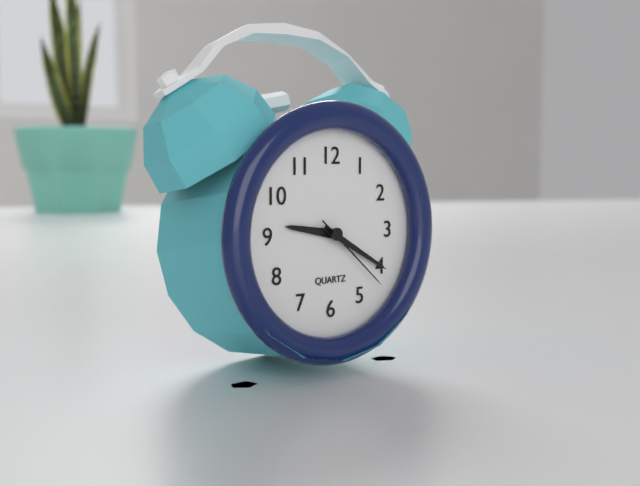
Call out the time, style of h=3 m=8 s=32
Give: h=9 m=20 s=22
